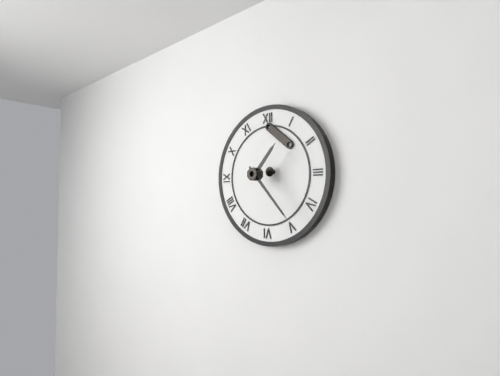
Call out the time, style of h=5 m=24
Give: h=1 m=23
